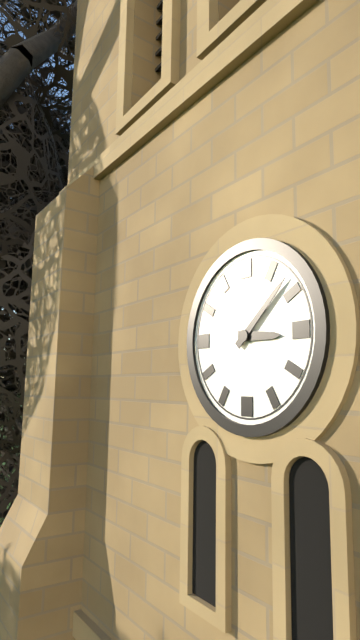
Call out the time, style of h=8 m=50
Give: h=3 m=8
